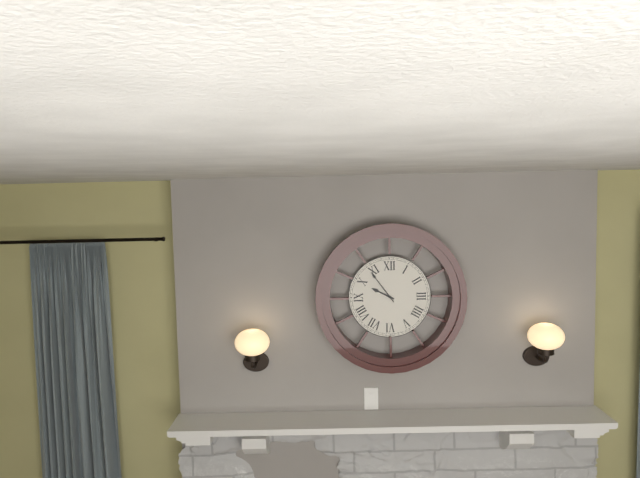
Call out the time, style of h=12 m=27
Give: h=9 m=54
